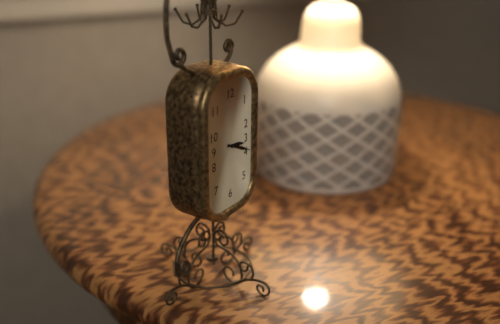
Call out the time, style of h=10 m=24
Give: h=3 m=19
